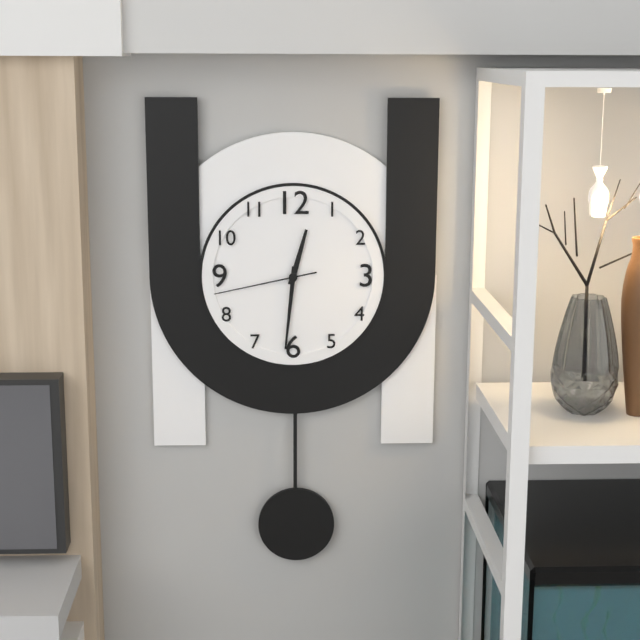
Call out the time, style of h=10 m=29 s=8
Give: h=12 m=31 s=43
